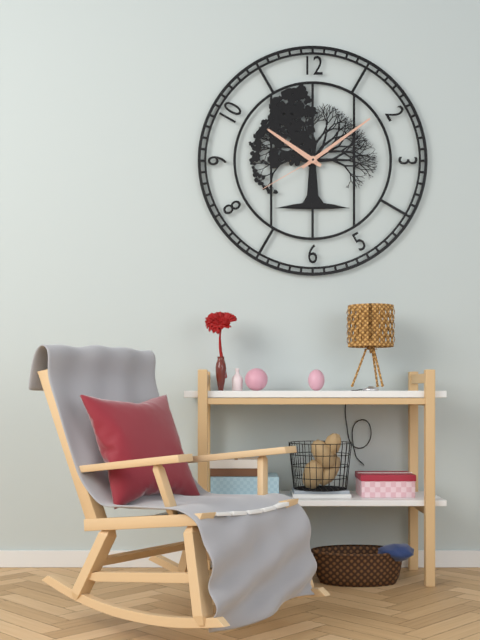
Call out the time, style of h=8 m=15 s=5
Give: h=10 m=9 s=40
